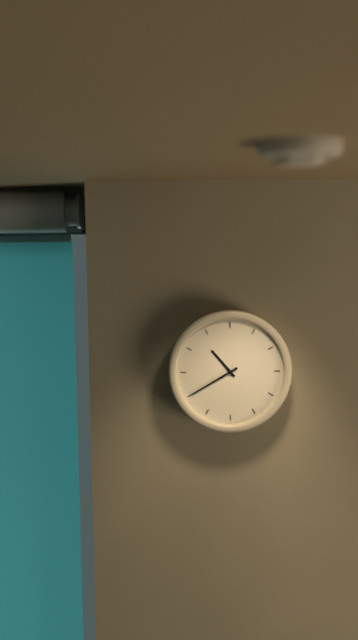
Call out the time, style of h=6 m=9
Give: h=10 m=40
